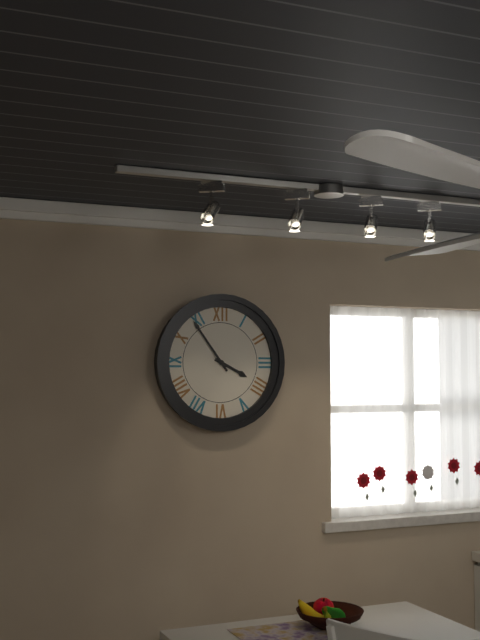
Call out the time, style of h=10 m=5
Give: h=3 m=54
